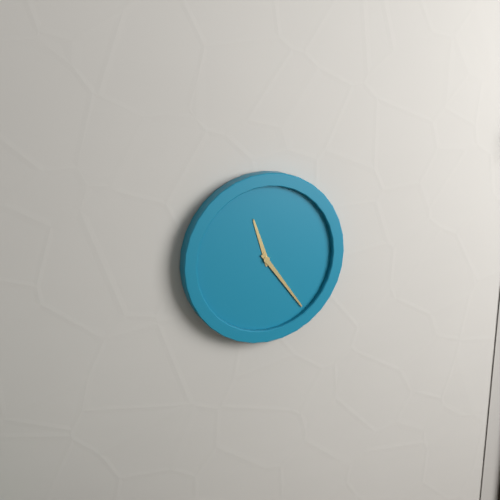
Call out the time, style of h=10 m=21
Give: h=11 m=24
